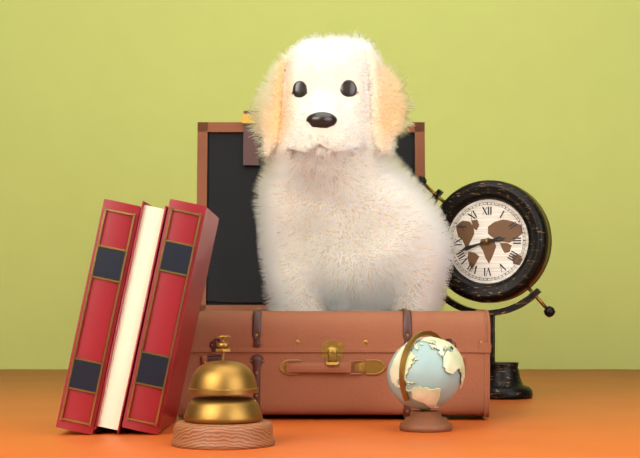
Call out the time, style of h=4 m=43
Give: h=2 m=42
